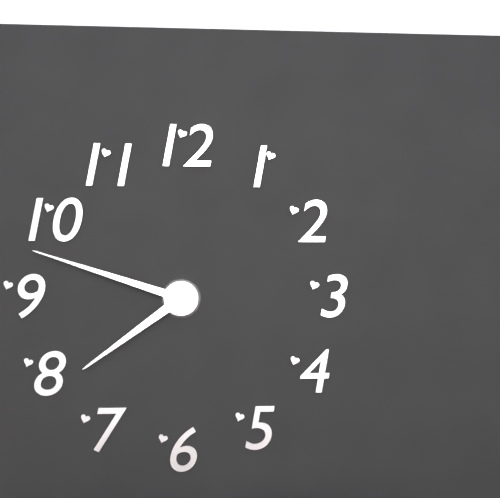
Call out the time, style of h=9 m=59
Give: h=7 m=48
